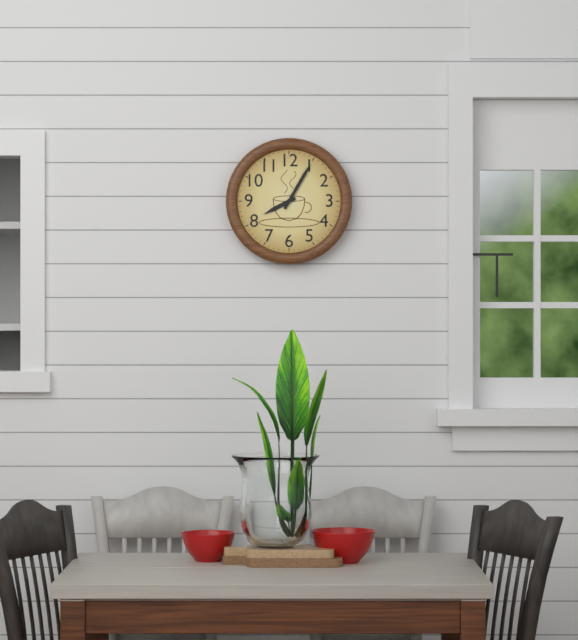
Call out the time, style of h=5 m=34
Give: h=8 m=5
